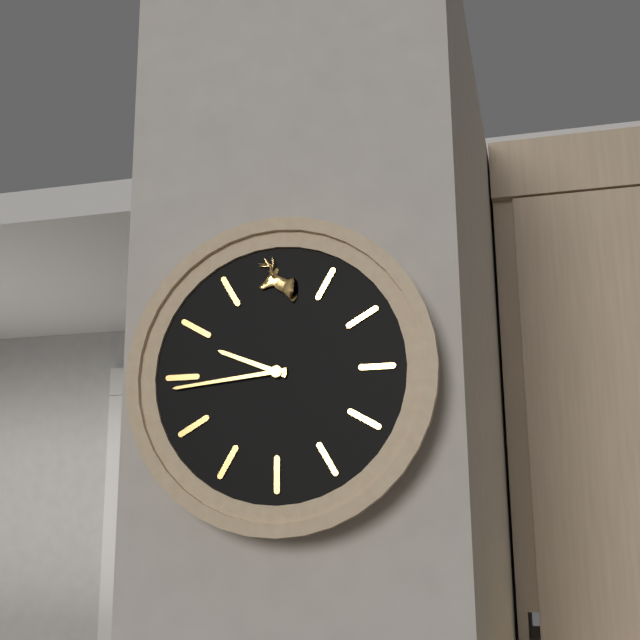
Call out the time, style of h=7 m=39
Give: h=9 m=44
